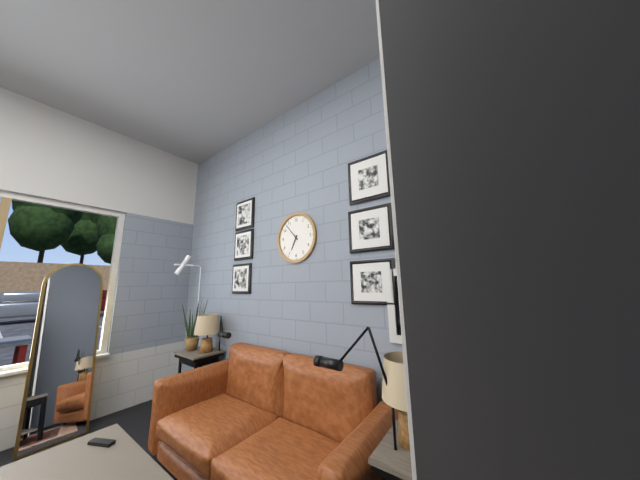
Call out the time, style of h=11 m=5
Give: h=6 m=53
